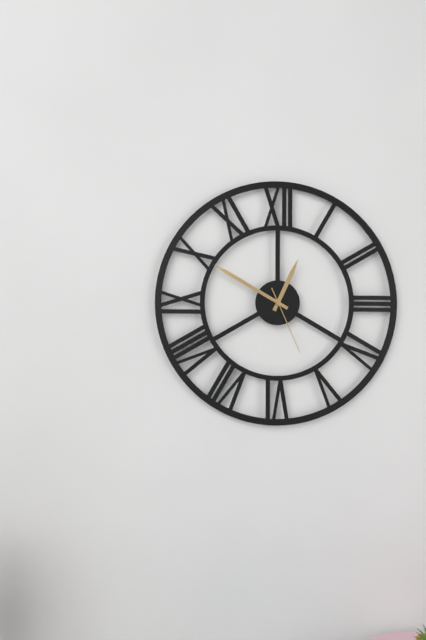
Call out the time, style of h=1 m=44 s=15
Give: h=12 m=50 s=26
